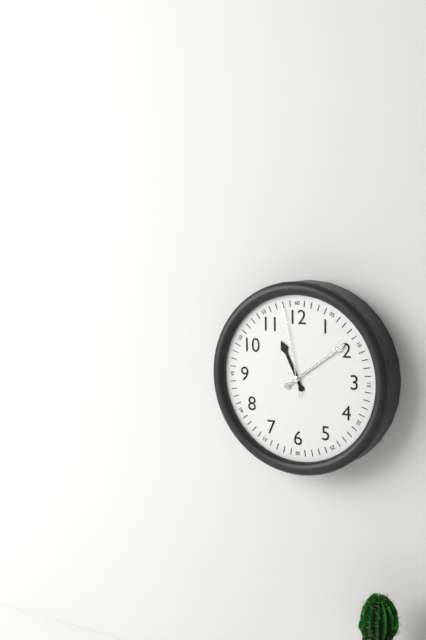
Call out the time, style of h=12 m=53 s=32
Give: h=11 m=9 s=58
